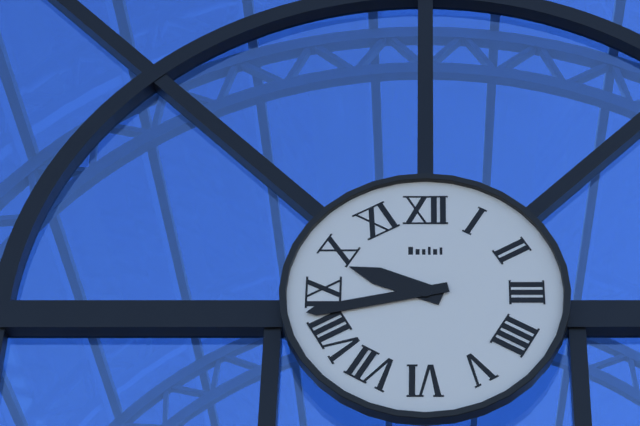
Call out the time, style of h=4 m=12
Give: h=9 m=43
